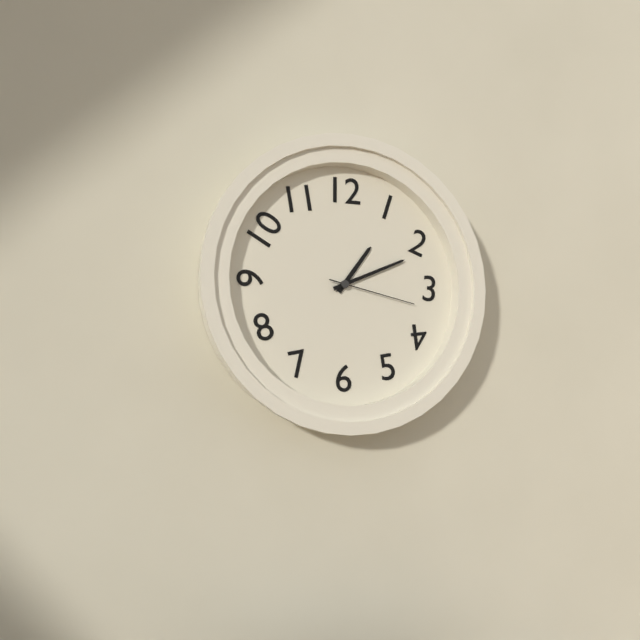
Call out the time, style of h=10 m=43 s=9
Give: h=1 m=11 s=17
